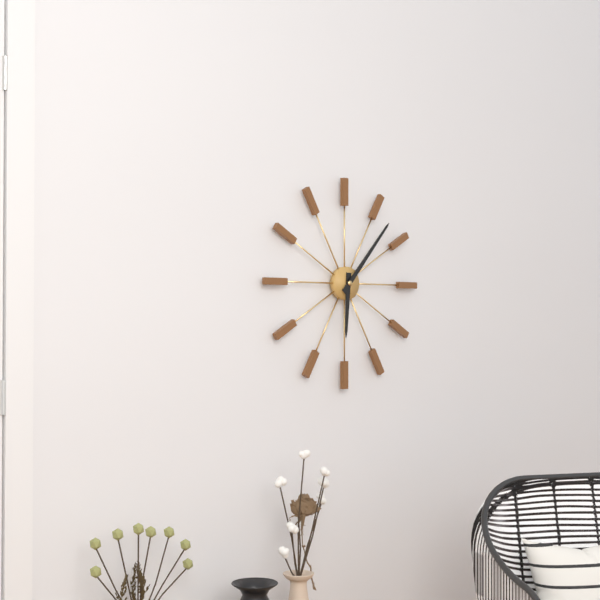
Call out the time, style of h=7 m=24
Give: h=6 m=7
